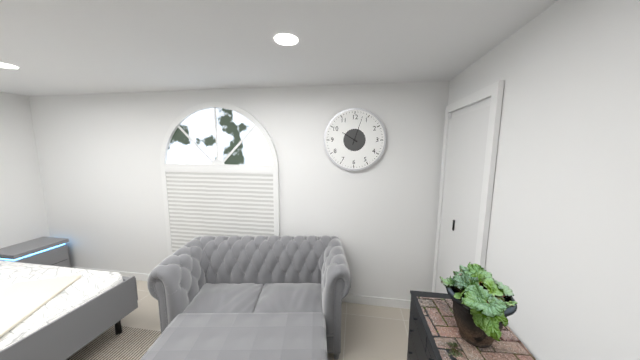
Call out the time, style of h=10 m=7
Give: h=10 m=3
